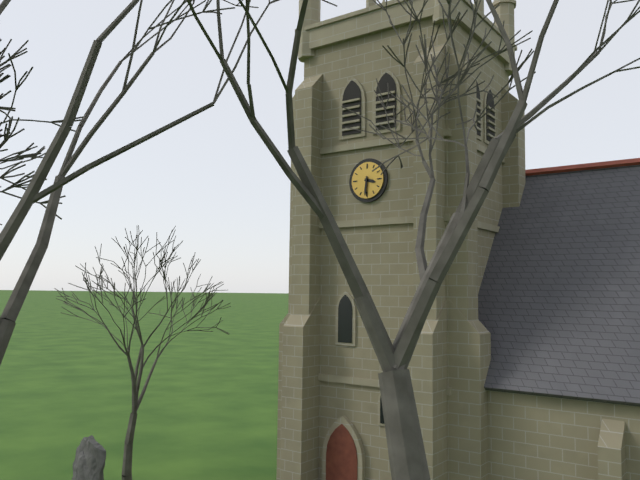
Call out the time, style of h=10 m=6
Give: h=3 m=31
